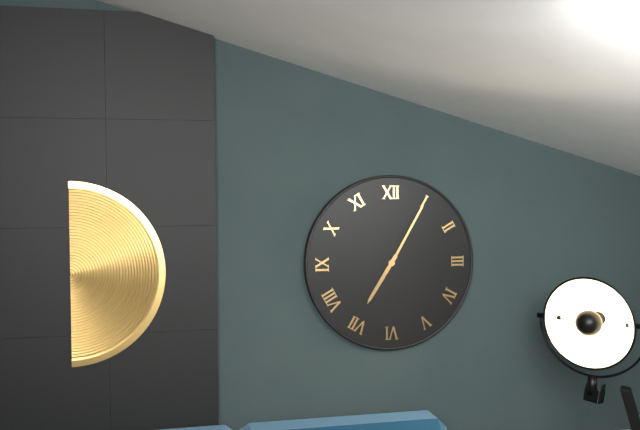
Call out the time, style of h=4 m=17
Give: h=7 m=5
